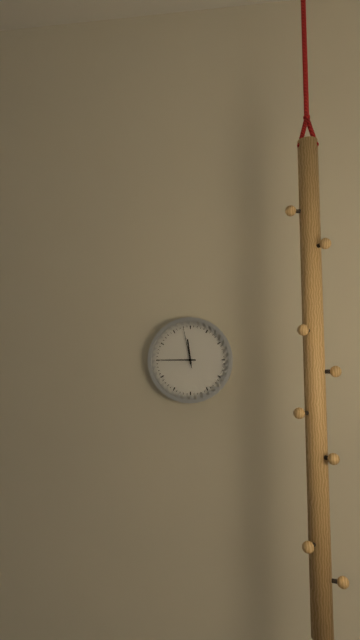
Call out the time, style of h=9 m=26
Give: h=11 m=45
